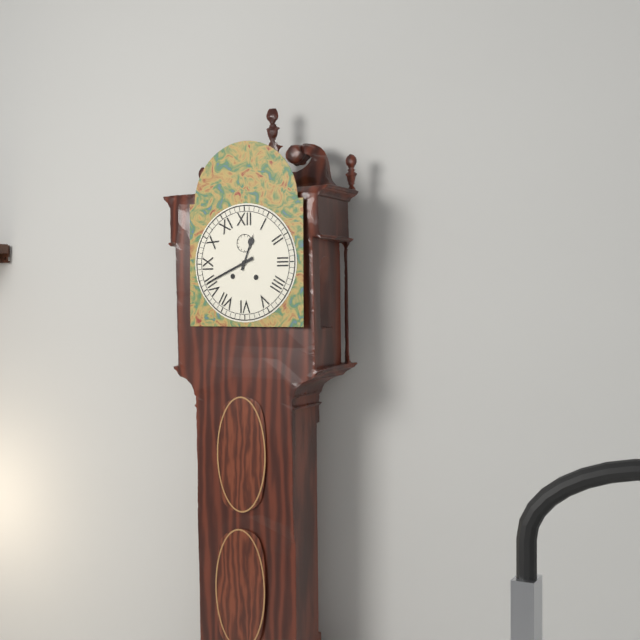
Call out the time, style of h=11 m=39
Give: h=12 m=41
